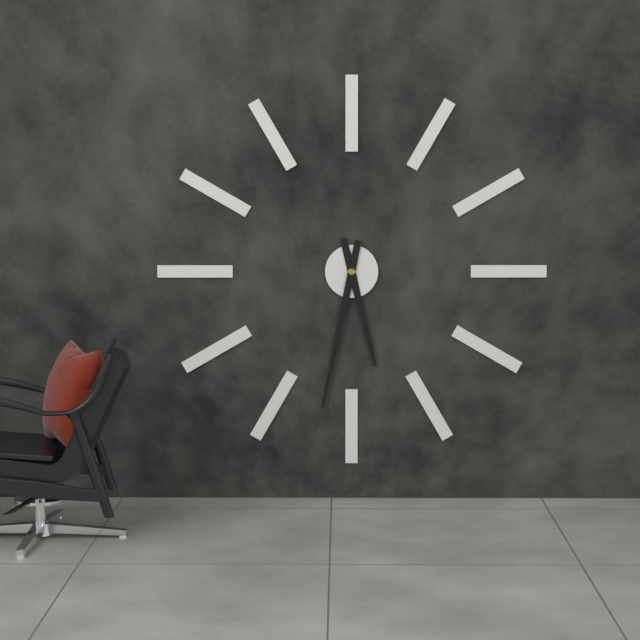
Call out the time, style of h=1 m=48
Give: h=5 m=32
